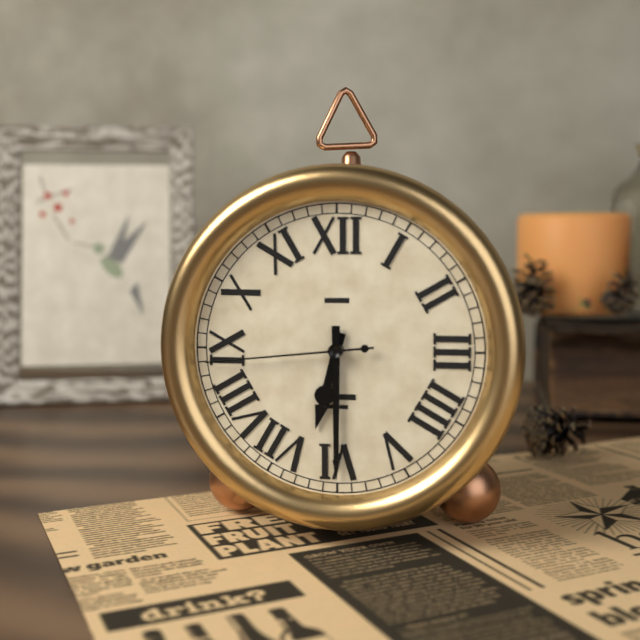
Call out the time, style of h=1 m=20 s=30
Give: h=6 m=30 s=44
